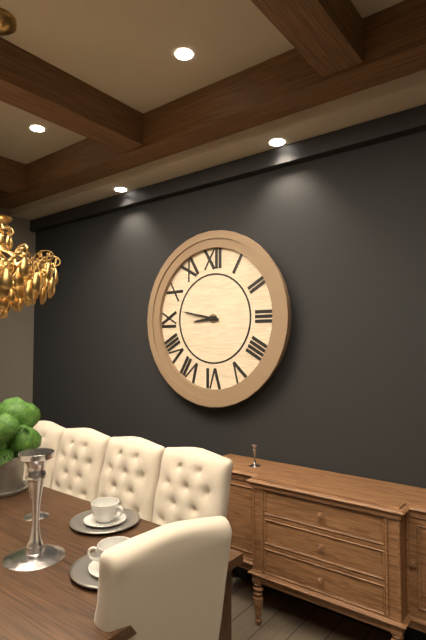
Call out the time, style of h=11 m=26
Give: h=8 m=47
